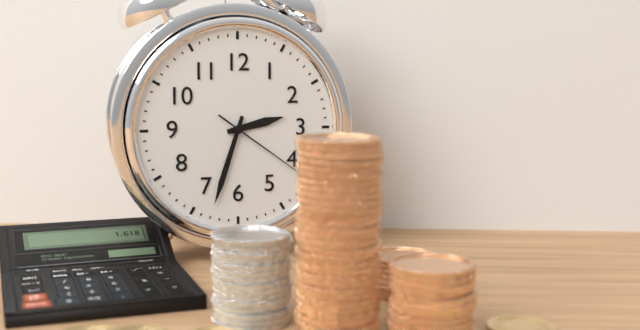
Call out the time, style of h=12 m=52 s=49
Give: h=2 m=33 s=21
